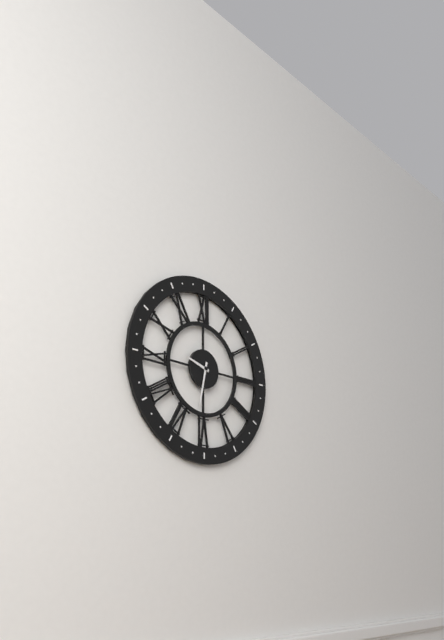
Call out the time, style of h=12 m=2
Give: h=9 m=32
